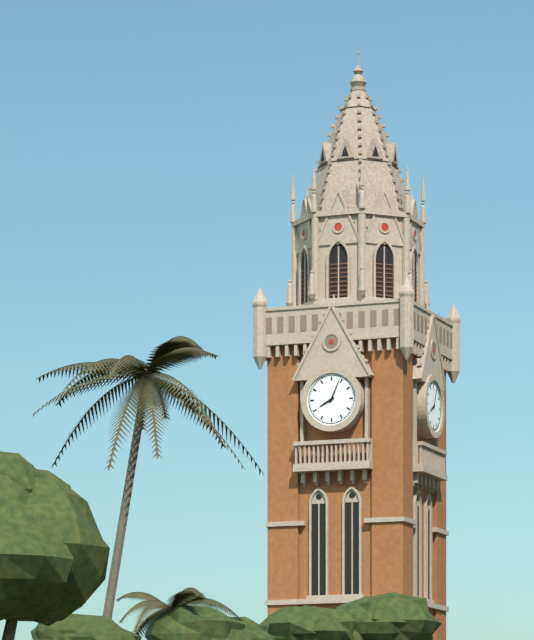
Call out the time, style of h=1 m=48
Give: h=8 m=4
